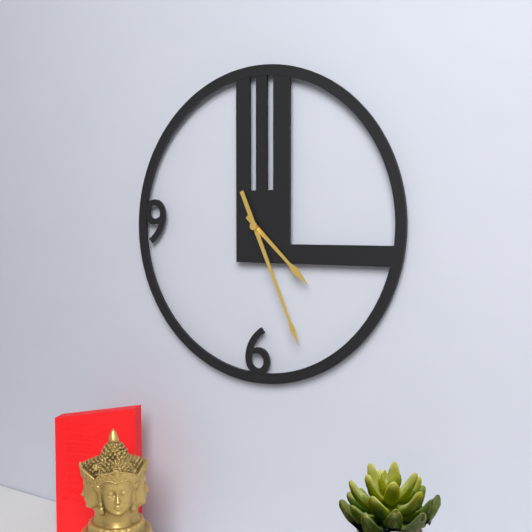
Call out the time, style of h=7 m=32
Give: h=4 m=26
